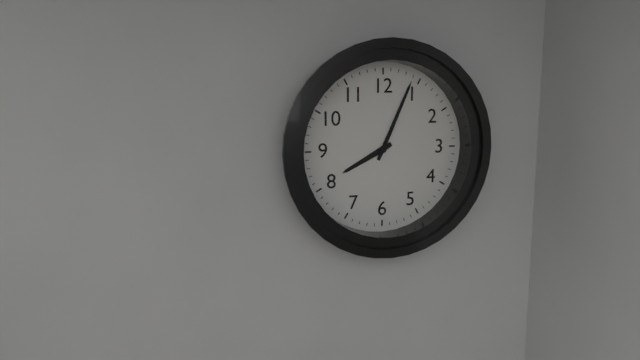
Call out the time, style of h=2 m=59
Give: h=8 m=4
